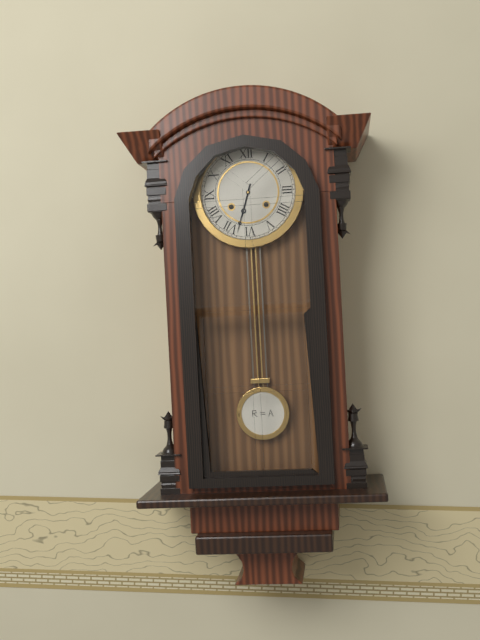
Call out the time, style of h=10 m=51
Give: h=6 m=33
